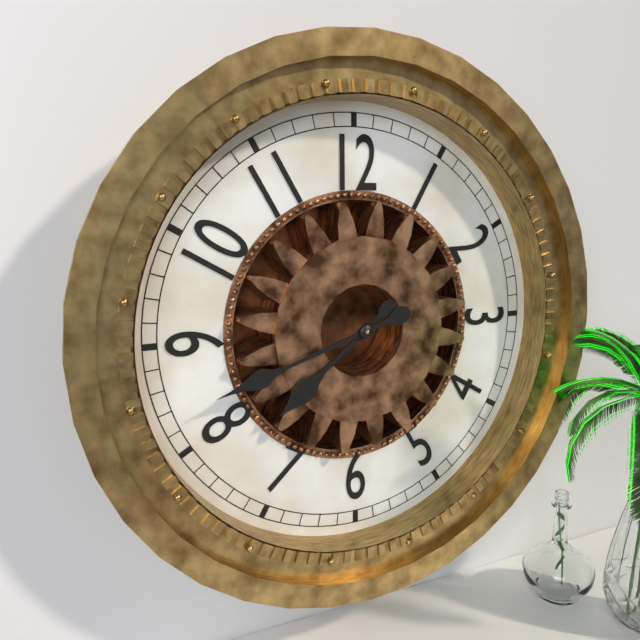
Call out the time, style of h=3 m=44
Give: h=7 m=42
